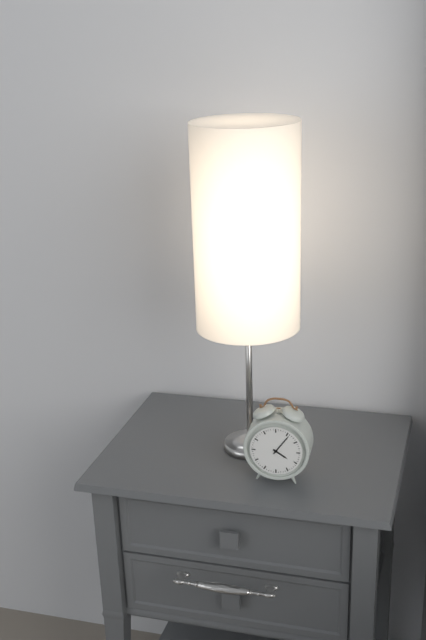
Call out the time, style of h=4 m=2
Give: h=4 m=6
